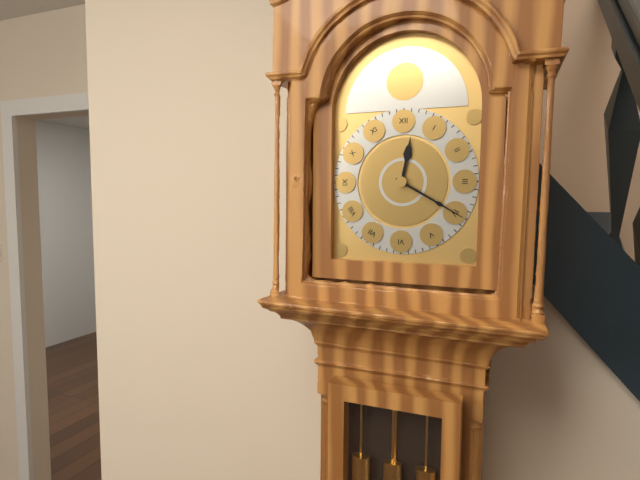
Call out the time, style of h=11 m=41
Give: h=12 m=20
